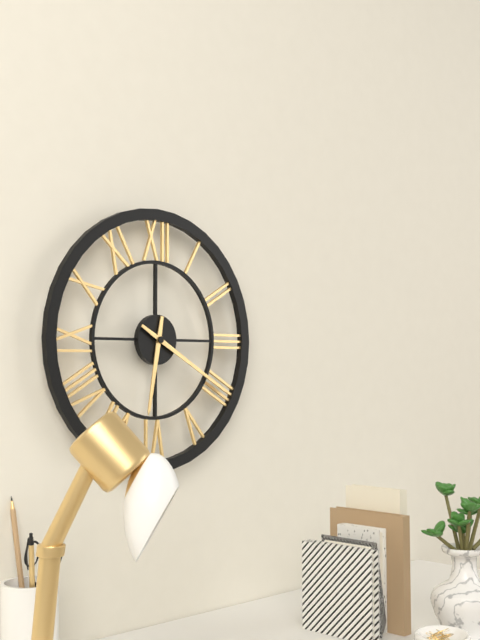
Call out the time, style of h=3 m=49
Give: h=6 m=20
